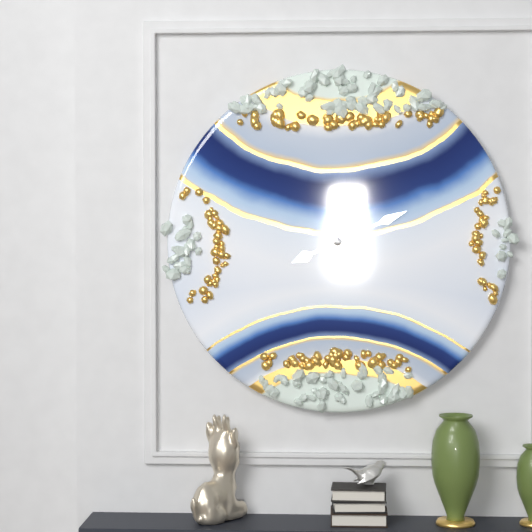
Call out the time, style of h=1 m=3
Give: h=8 m=11
